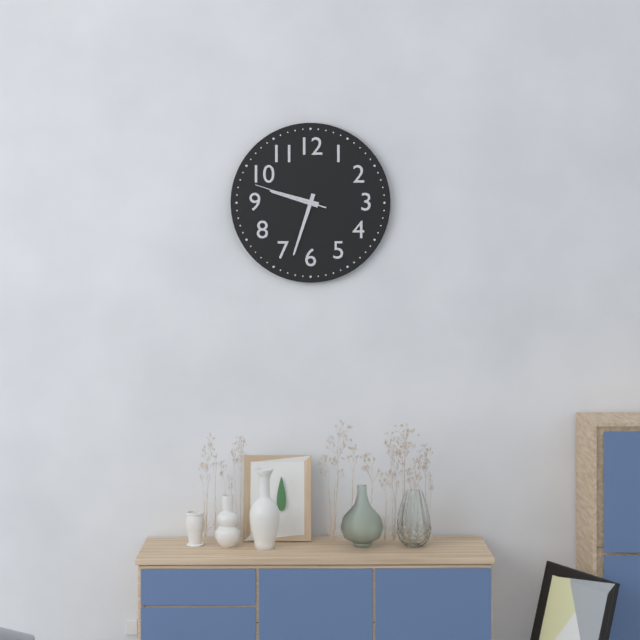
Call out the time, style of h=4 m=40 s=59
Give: h=9 m=33 s=48
